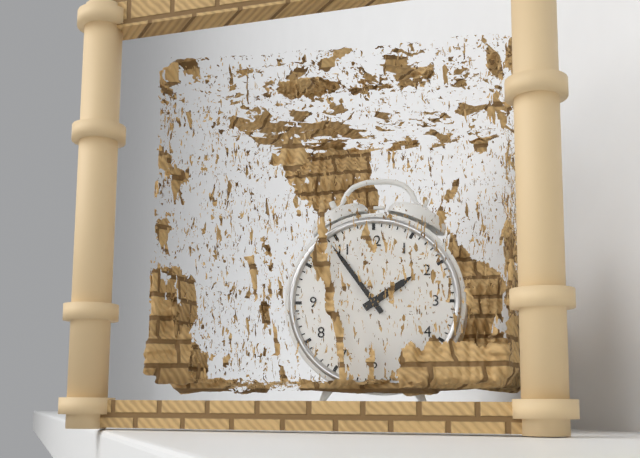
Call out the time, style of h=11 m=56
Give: h=1 m=54
